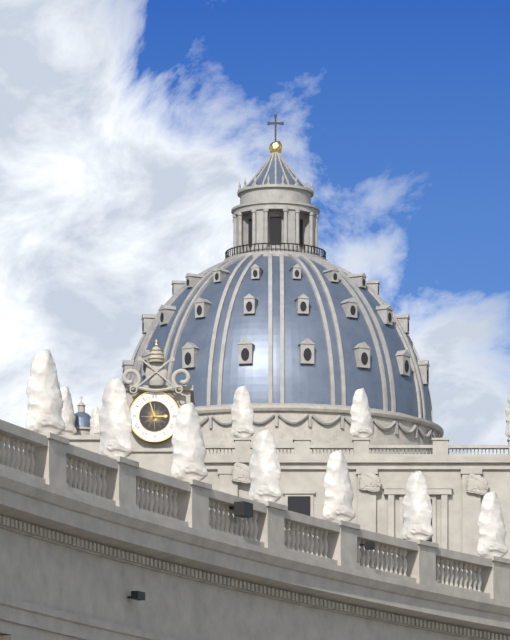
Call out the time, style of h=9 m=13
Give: h=2 m=57
